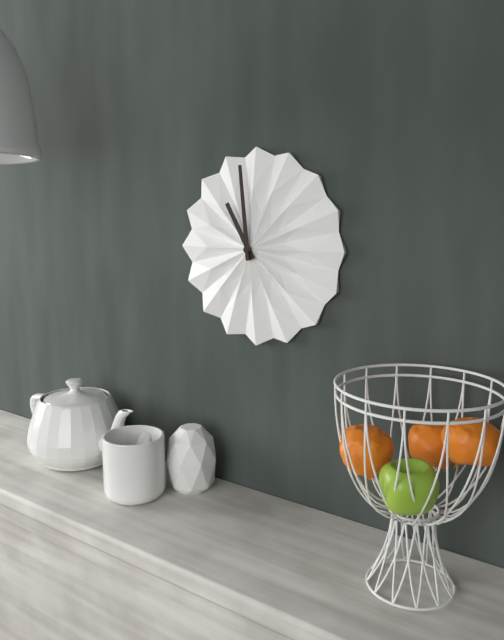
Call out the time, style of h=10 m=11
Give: h=10 m=59
